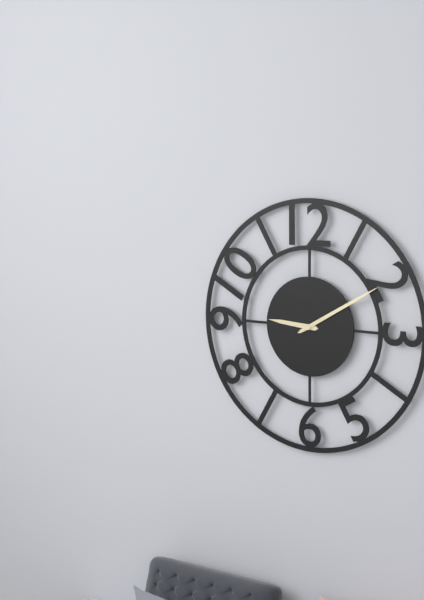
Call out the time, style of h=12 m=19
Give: h=9 m=10
